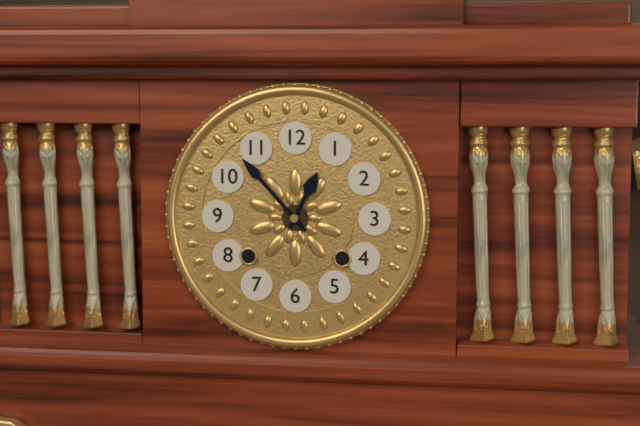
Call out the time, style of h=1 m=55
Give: h=12 m=53
